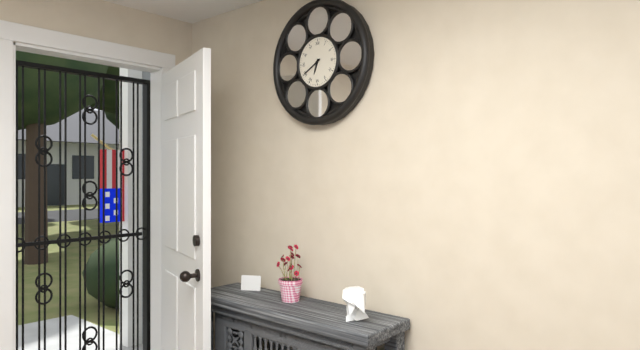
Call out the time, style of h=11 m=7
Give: h=6 m=40
